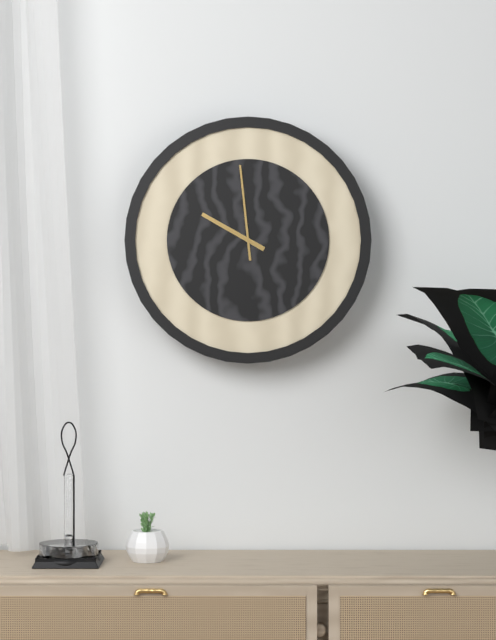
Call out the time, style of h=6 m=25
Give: h=9 m=59
